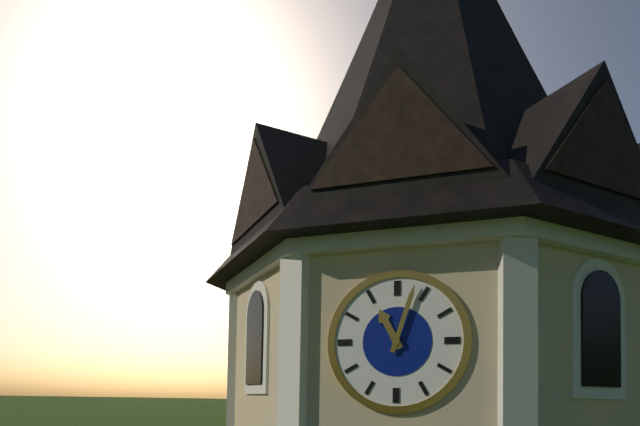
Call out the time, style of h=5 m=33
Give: h=11 m=3
